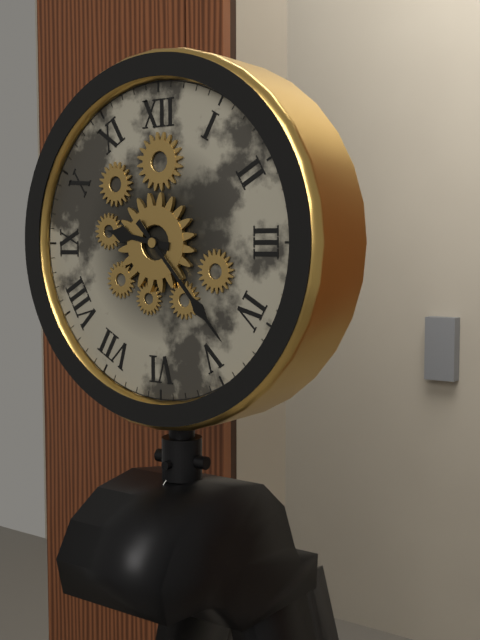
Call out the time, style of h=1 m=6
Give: h=9 m=23
